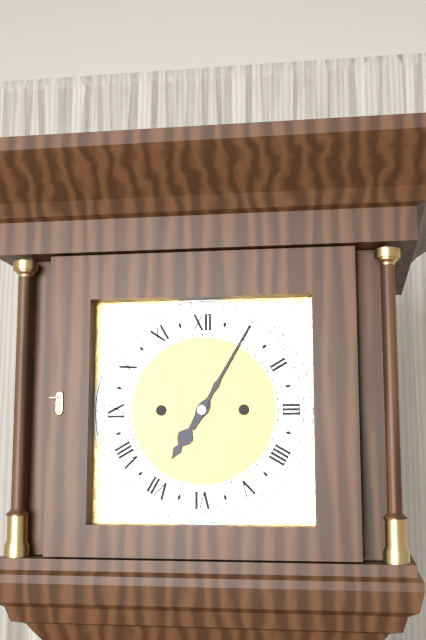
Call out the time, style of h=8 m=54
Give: h=7 m=5
